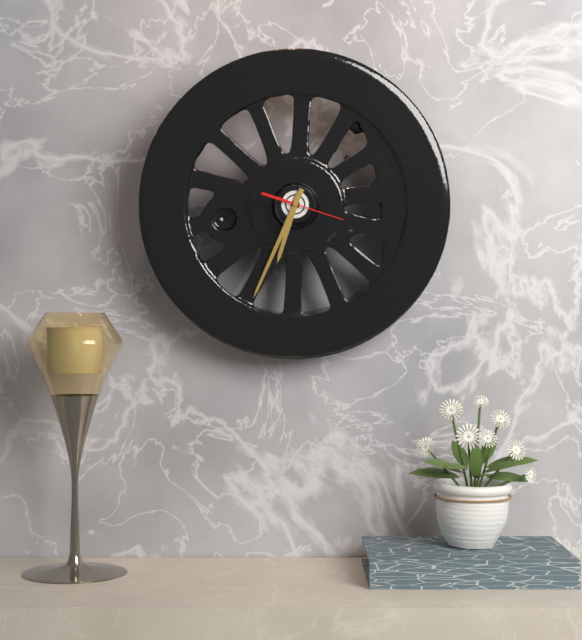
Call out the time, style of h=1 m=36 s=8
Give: h=6 m=34 s=18
